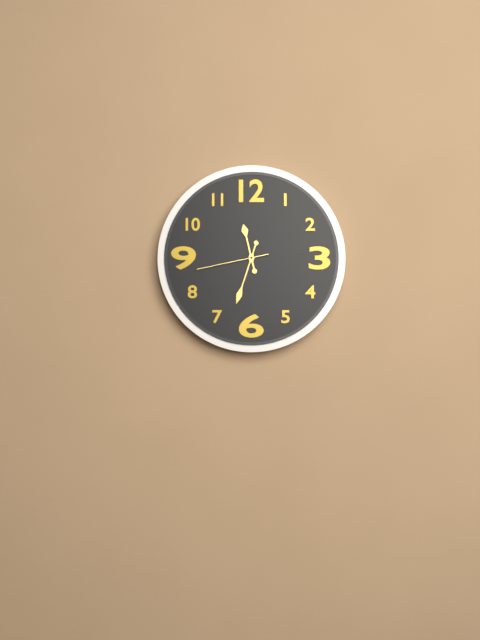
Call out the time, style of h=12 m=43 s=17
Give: h=11 m=33 s=43
